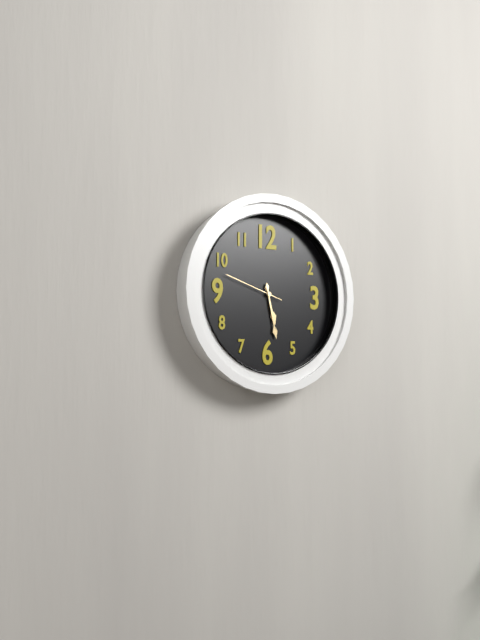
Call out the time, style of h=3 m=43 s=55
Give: h=5 m=28 s=48
